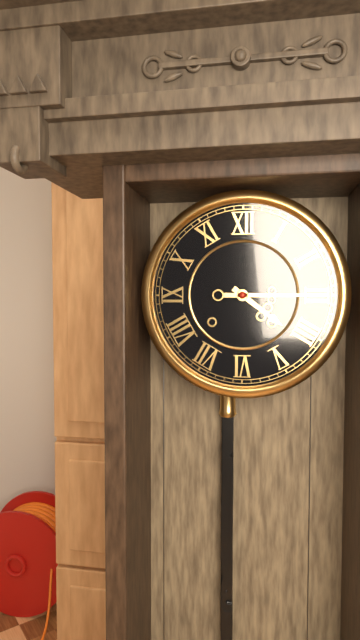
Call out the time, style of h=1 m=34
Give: h=4 m=15
